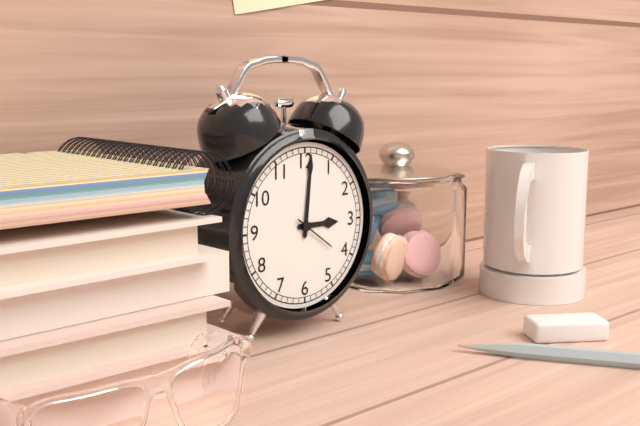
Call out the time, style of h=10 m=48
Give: h=3 m=1
